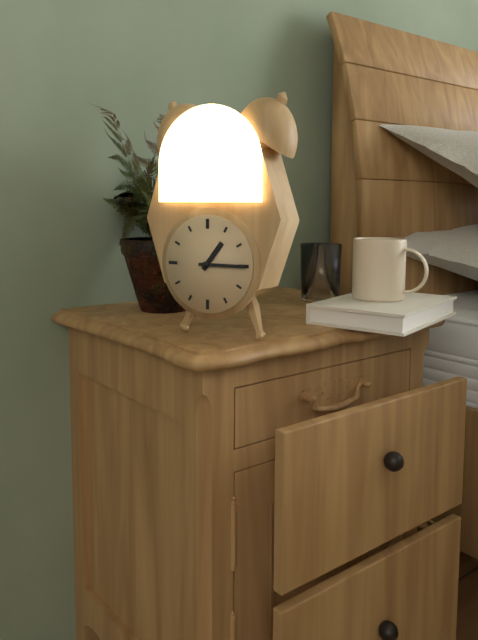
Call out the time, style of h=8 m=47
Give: h=1 m=15
